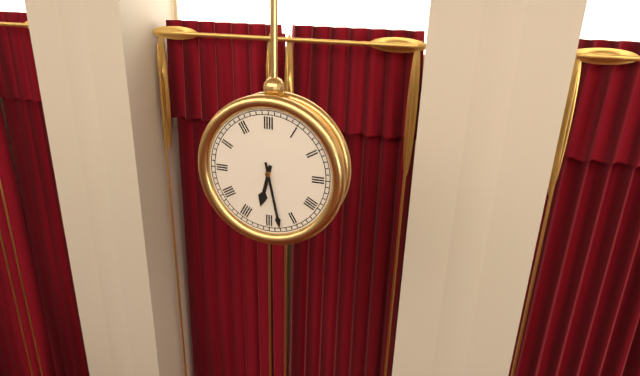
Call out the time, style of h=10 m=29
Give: h=6 m=28
